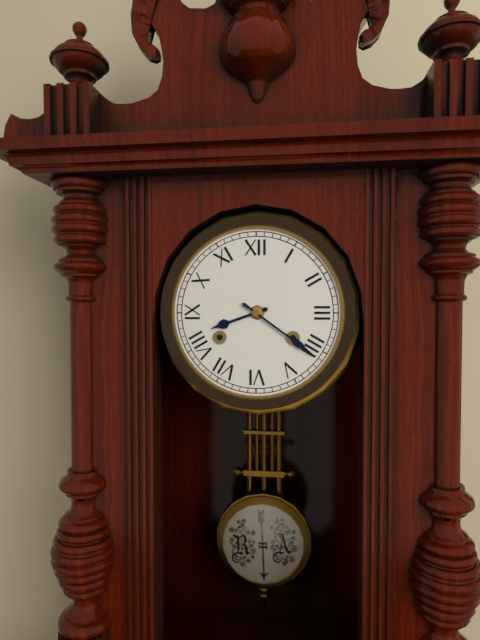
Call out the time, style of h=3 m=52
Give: h=8 m=21
